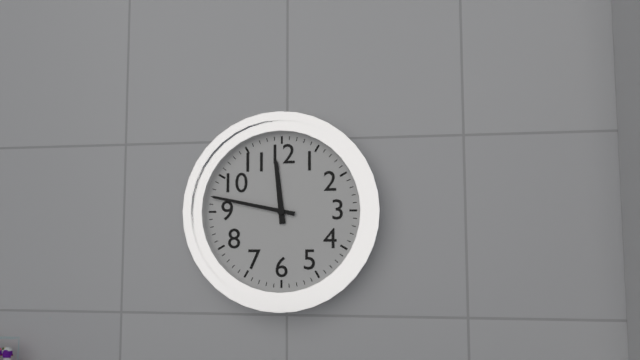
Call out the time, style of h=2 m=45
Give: h=11 m=47
